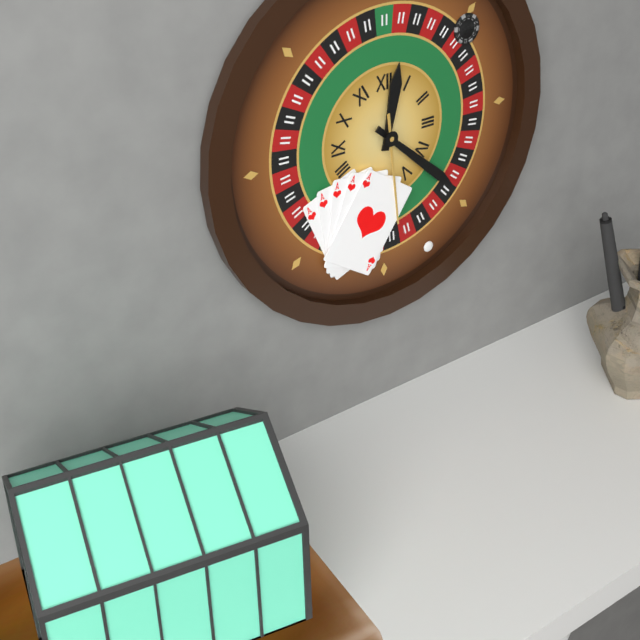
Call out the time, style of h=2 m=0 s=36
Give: h=12 m=22 s=29
